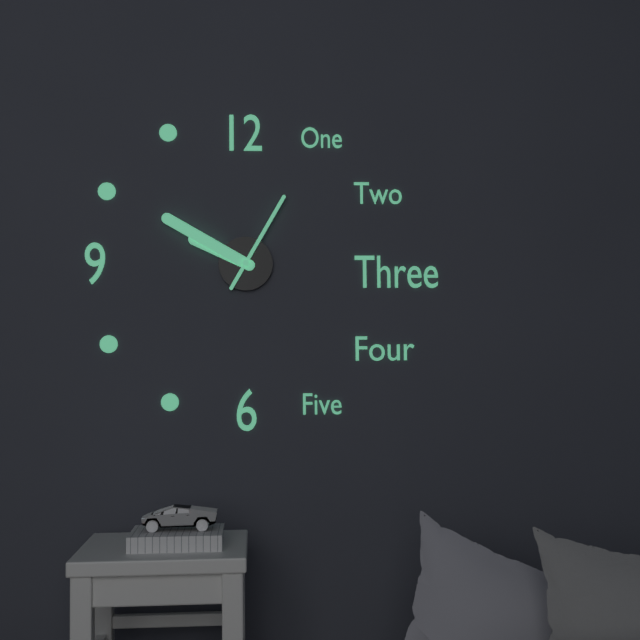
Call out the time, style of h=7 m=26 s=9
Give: h=9 m=50 s=5
